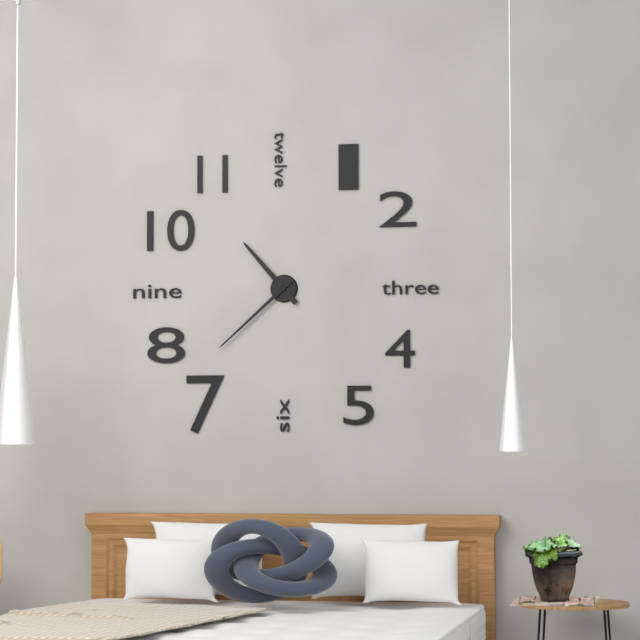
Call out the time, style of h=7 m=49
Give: h=10 m=38
